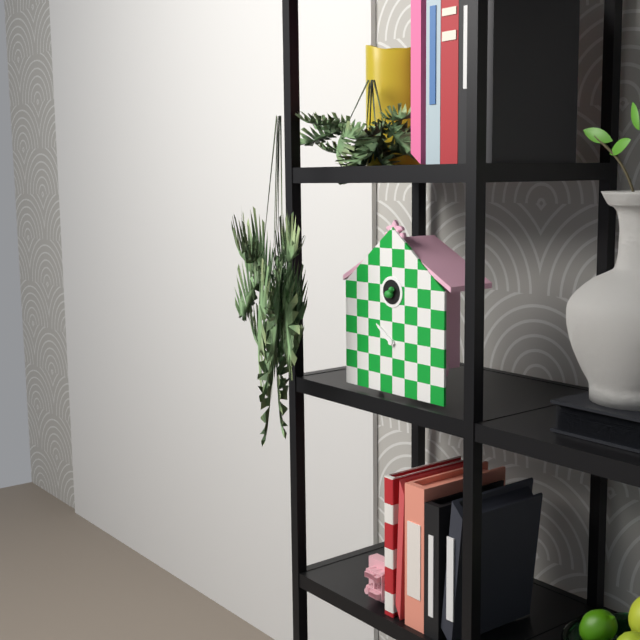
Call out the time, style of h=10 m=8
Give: h=9 m=51
